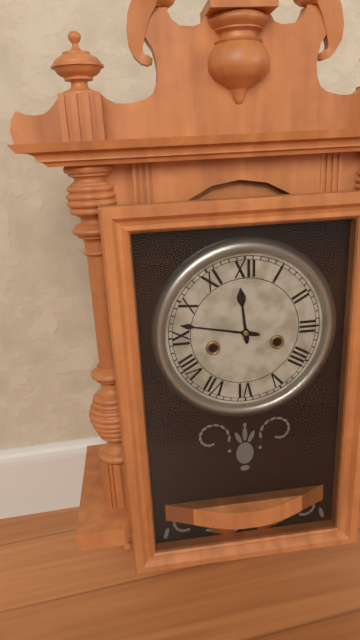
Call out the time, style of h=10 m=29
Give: h=11 m=47
